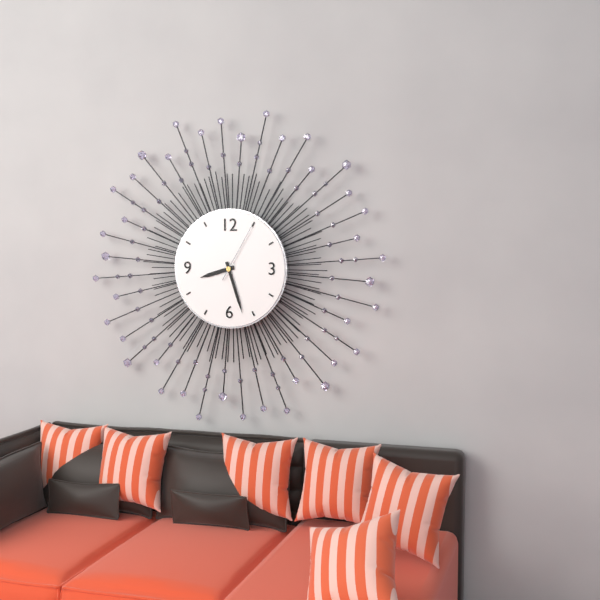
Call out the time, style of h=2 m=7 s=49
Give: h=8 m=27 s=5
